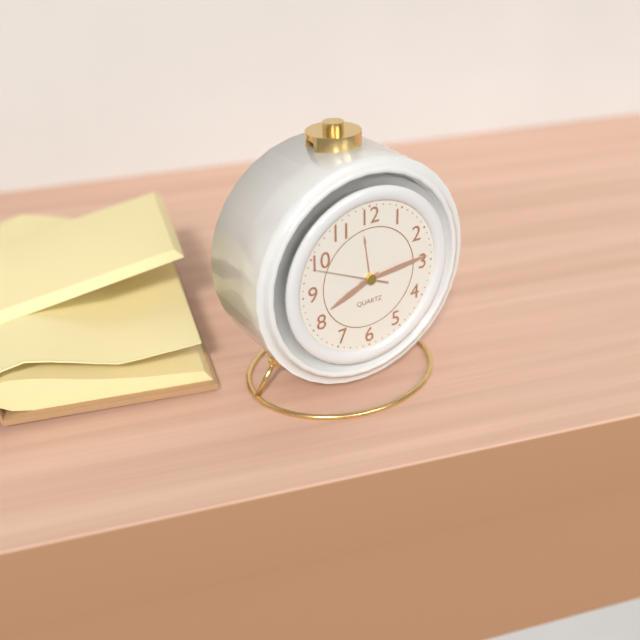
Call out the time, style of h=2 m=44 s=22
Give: h=8 m=14 s=49
